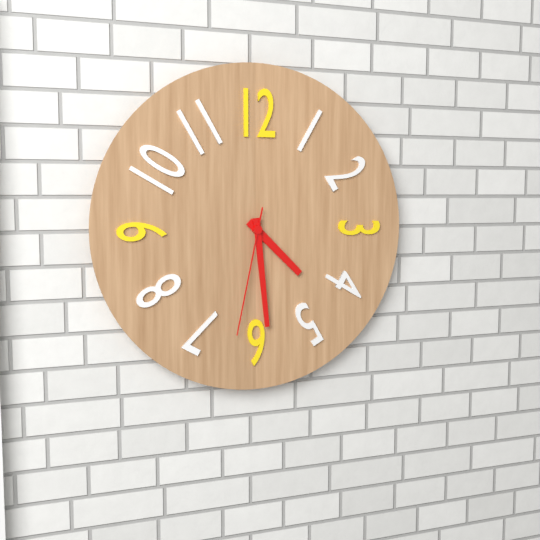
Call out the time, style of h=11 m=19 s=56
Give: h=4 m=29 s=32
